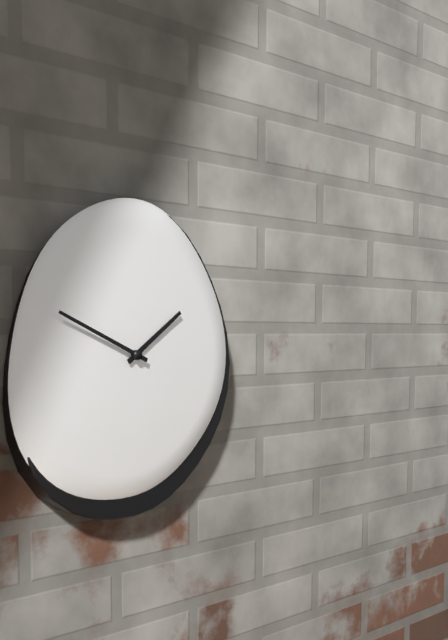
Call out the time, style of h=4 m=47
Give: h=1 m=49
